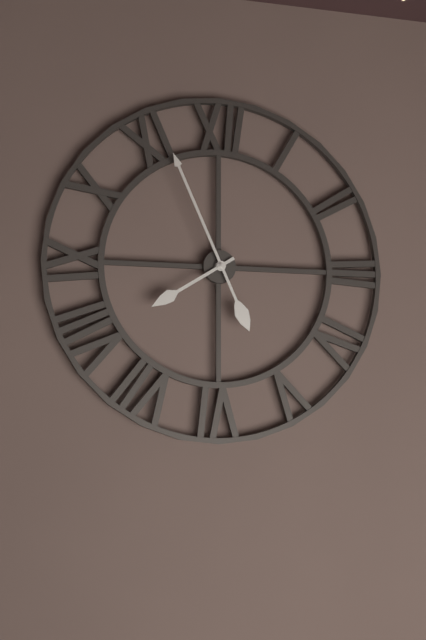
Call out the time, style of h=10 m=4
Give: h=7 m=56
